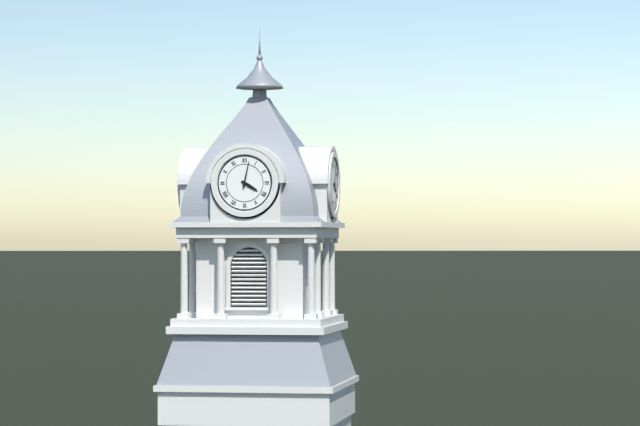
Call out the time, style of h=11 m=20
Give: h=4 m=2
